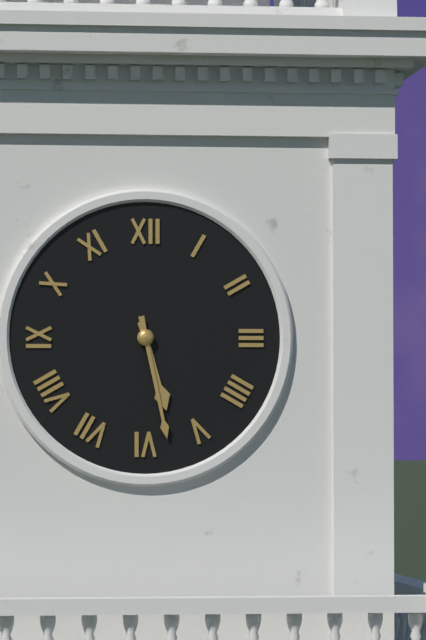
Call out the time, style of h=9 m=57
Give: h=5 m=28
